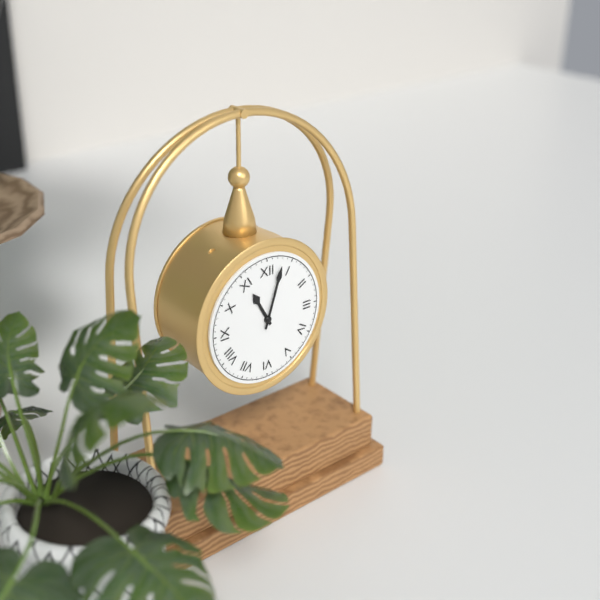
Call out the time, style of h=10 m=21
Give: h=11 m=3
